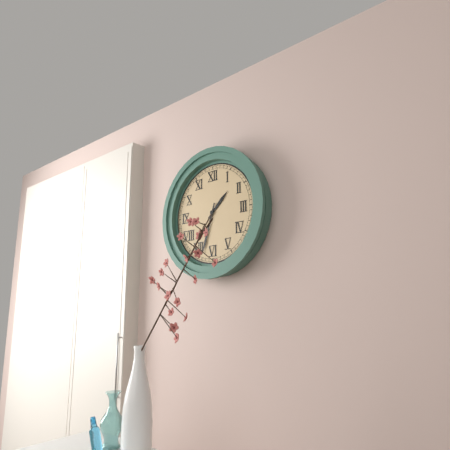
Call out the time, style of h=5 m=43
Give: h=1 m=33
